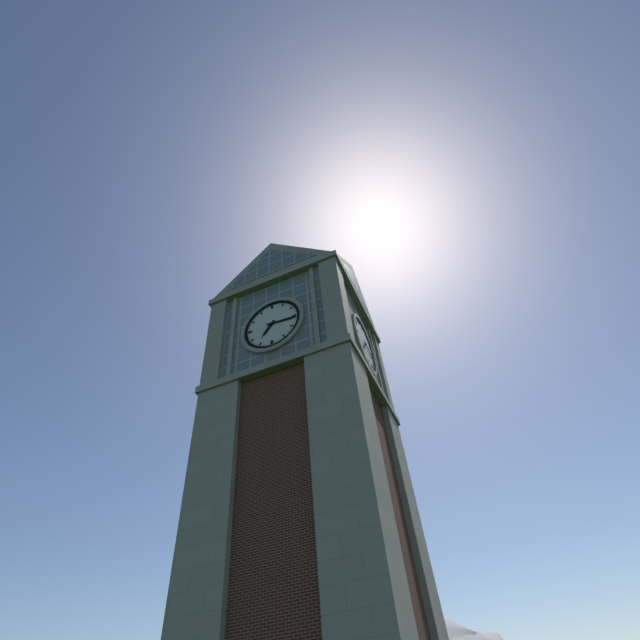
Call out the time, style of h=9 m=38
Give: h=7 m=16
